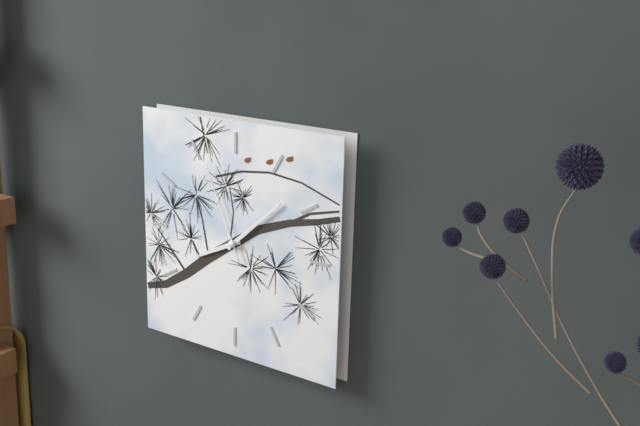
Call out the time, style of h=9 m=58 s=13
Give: h=8 m=8 s=56
